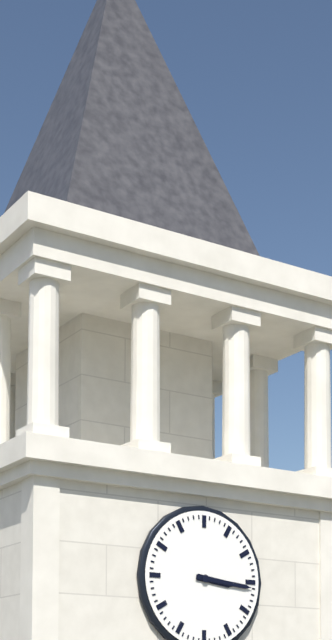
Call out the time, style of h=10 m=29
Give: h=3 m=16
